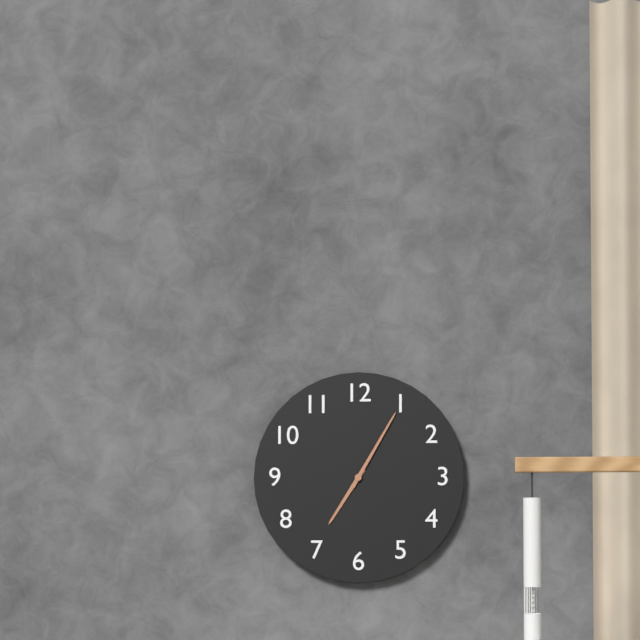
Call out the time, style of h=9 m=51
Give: h=7 m=5
